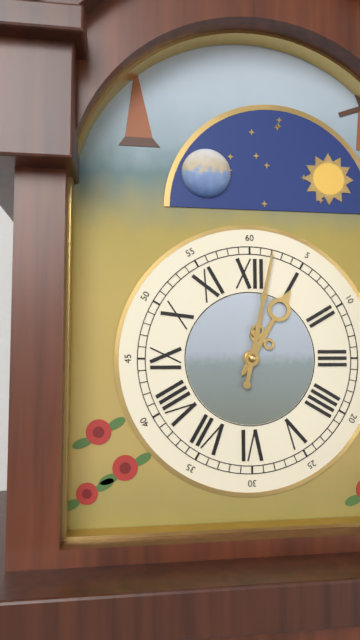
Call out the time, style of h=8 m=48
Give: h=1 m=2
